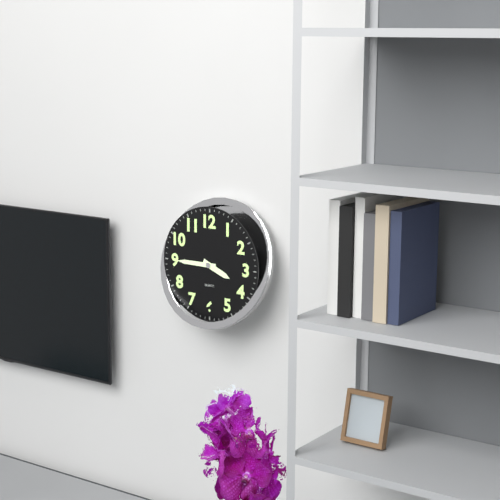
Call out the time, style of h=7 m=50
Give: h=3 m=45
